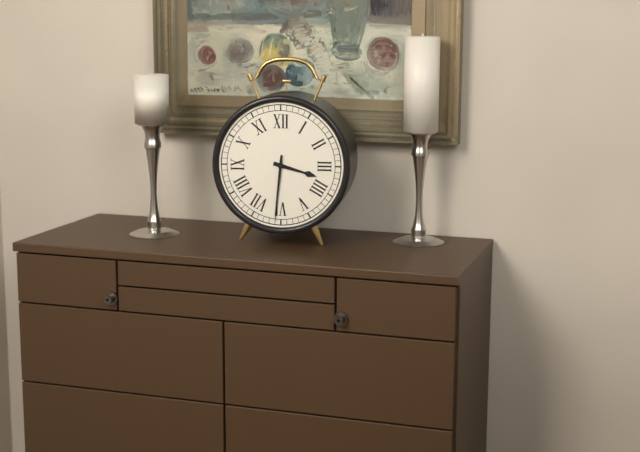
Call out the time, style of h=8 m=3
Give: h=3 m=31
